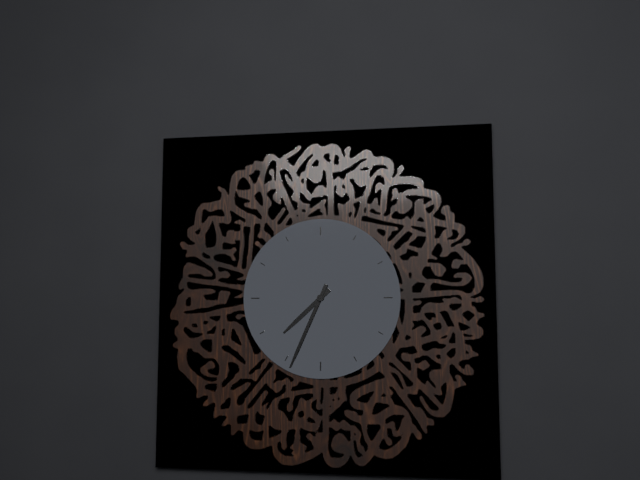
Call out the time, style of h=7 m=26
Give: h=7 m=34
